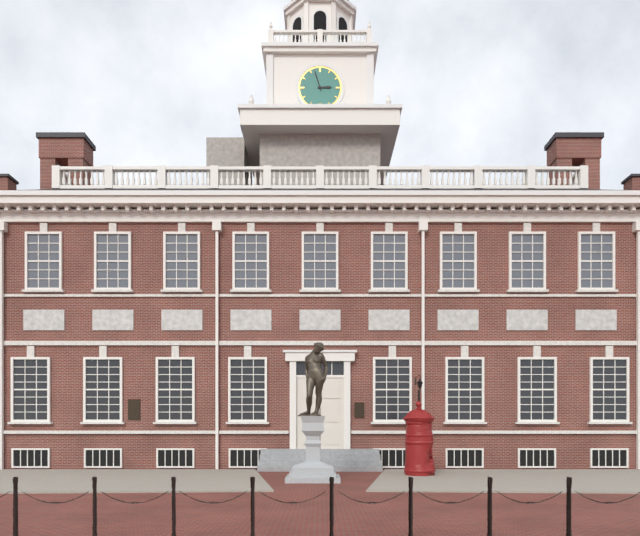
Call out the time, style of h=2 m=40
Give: h=2 m=57
